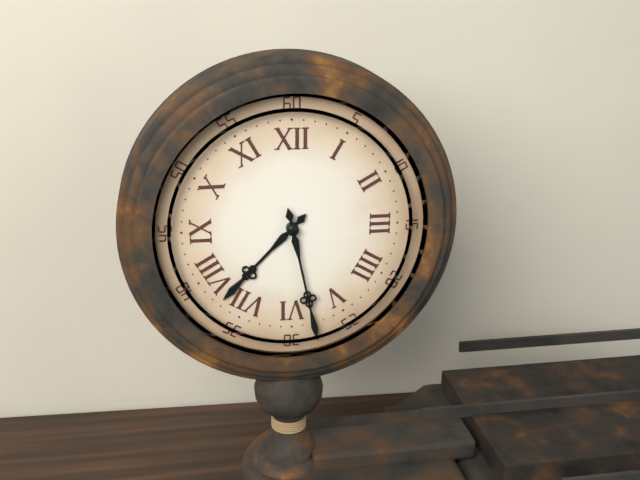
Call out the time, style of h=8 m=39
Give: h=7 m=28
